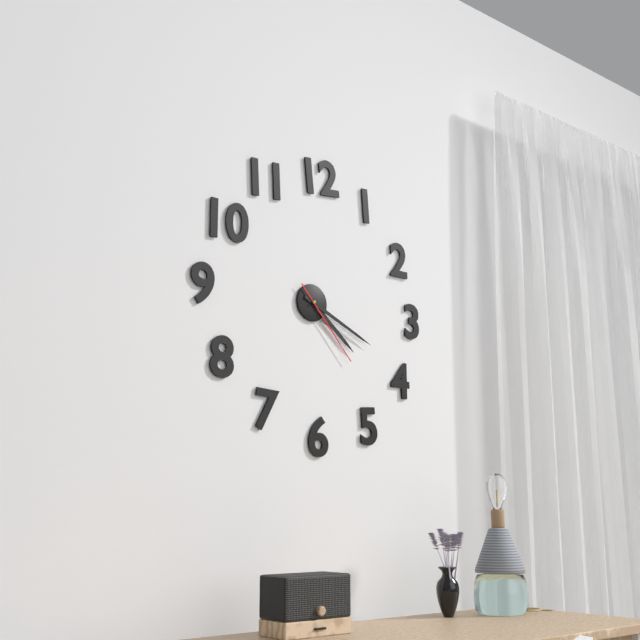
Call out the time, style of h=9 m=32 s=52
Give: h=4 m=19 s=23
